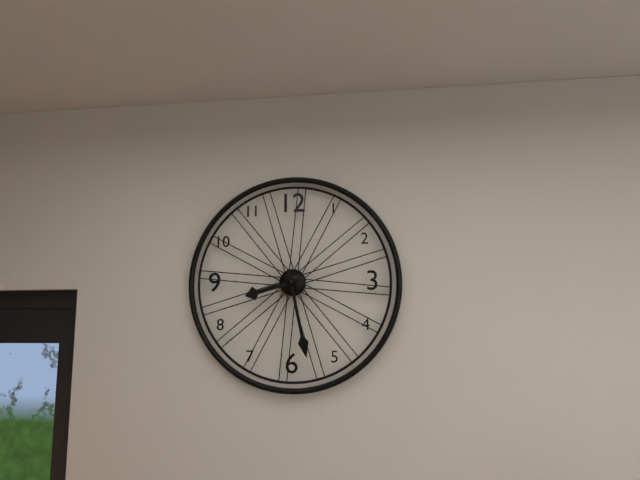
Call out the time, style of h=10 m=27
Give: h=8 m=28
